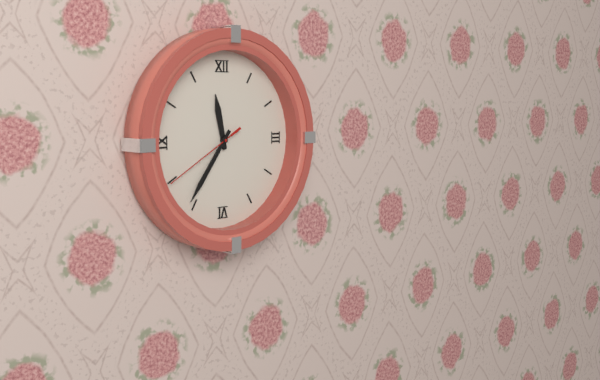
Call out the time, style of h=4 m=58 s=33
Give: h=11 m=36 s=40
